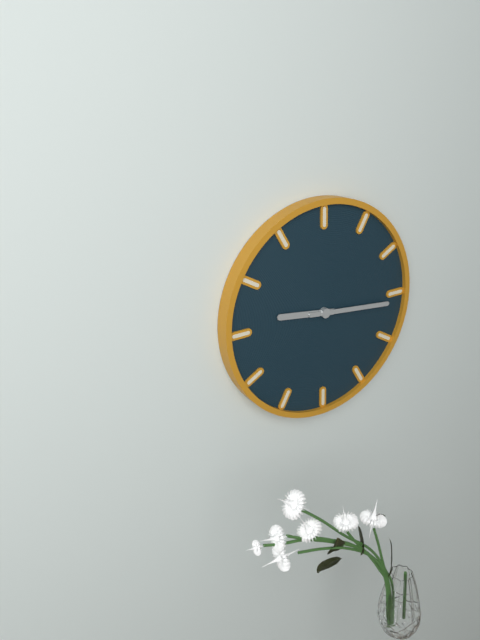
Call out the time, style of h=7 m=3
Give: h=9 m=16
